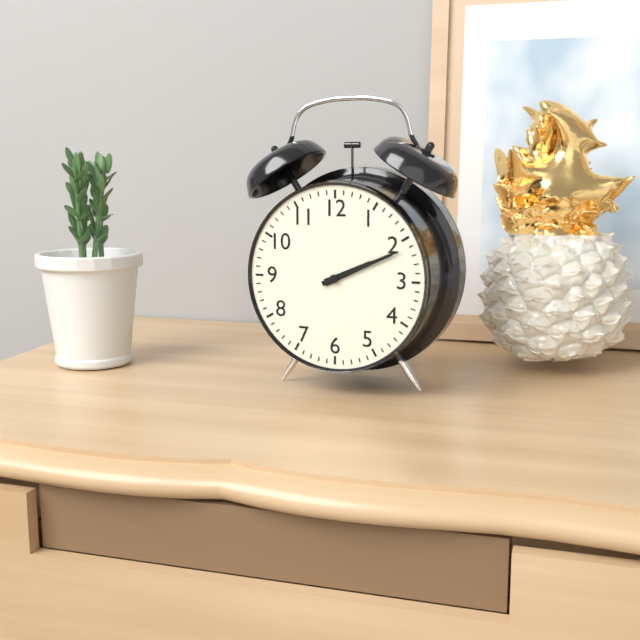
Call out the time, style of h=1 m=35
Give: h=2 m=11
